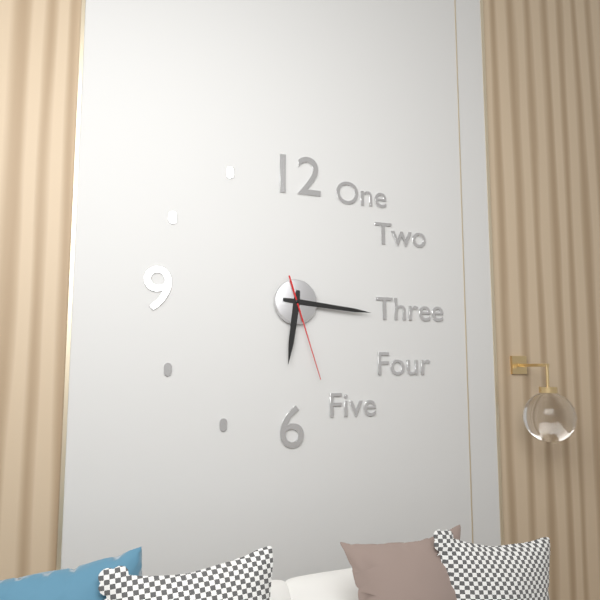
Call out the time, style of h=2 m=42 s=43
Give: h=6 m=16 s=27
